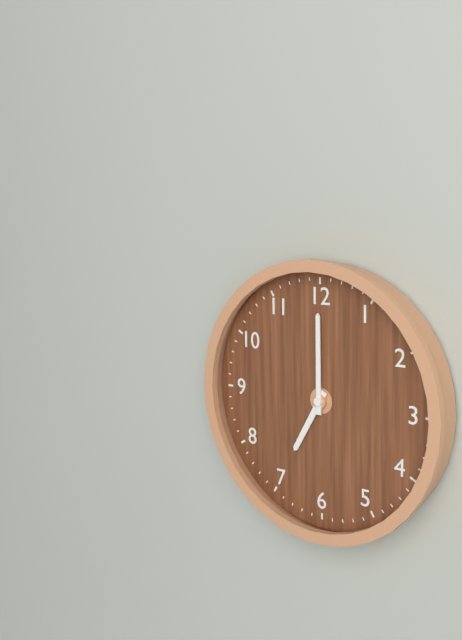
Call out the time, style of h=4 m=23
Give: h=7 m=0
